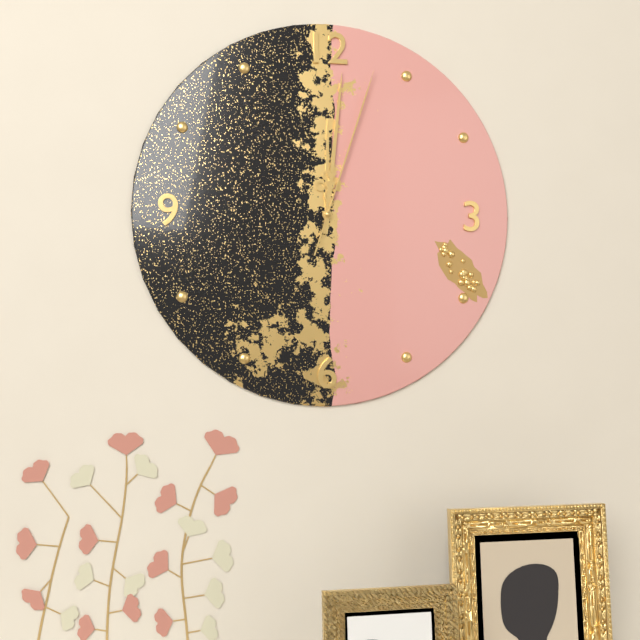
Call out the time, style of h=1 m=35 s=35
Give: h=12 m=1 s=3
